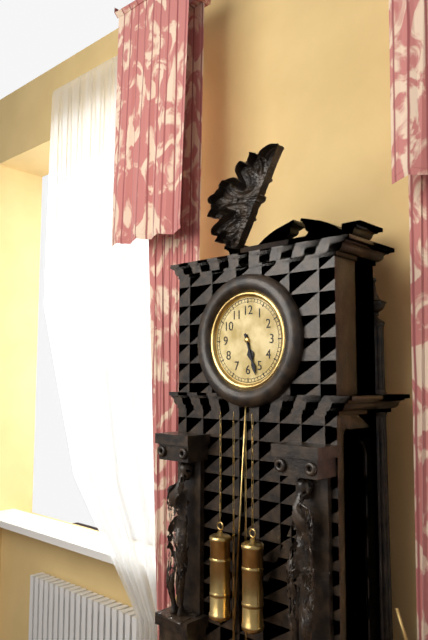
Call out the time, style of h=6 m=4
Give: h=5 m=27
